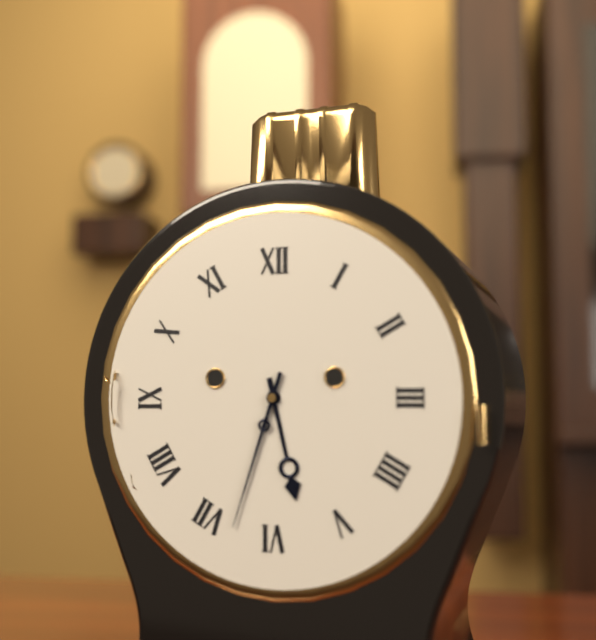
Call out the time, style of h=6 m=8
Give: h=5 m=33
